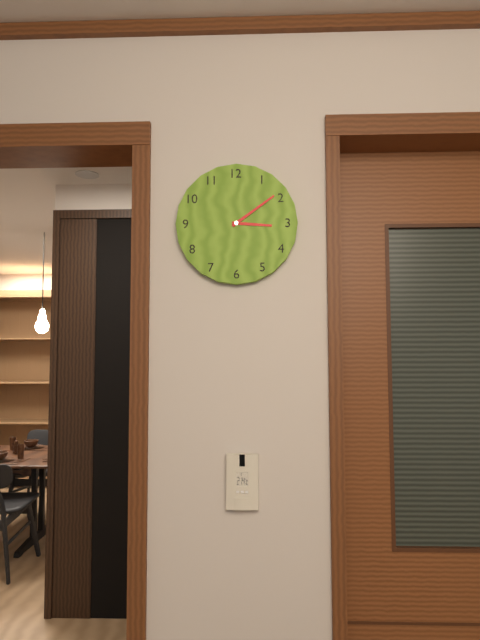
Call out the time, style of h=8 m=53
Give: h=3 m=9
